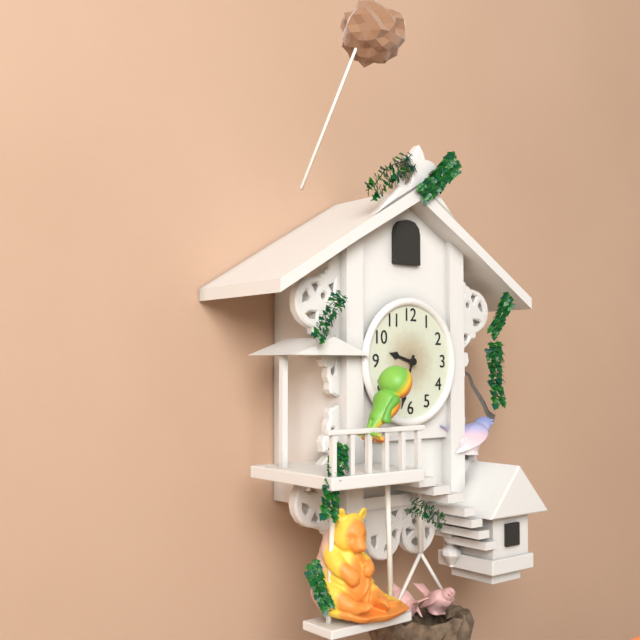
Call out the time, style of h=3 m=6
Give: h=9 m=33
